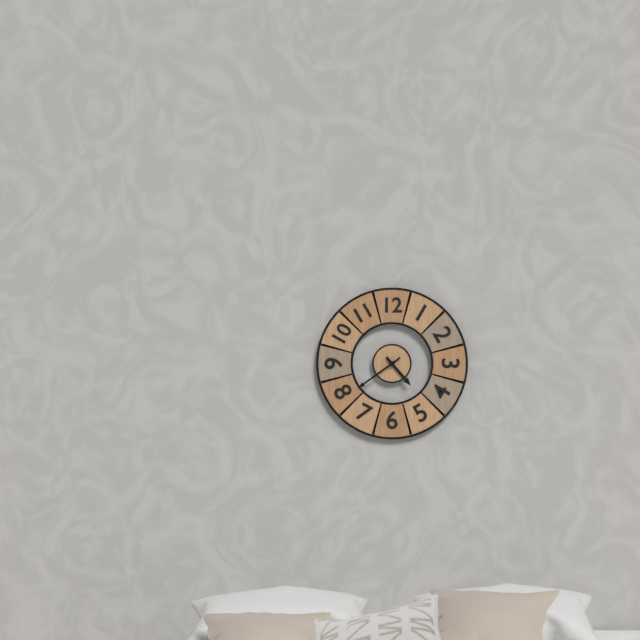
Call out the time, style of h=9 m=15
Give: h=4 m=39
